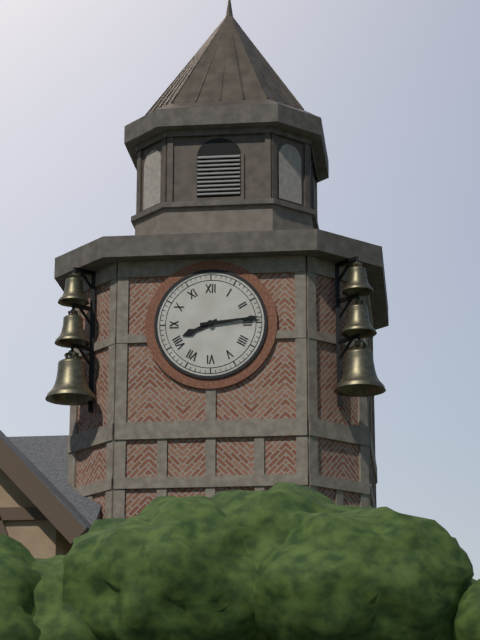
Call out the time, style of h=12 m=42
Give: h=8 m=14
